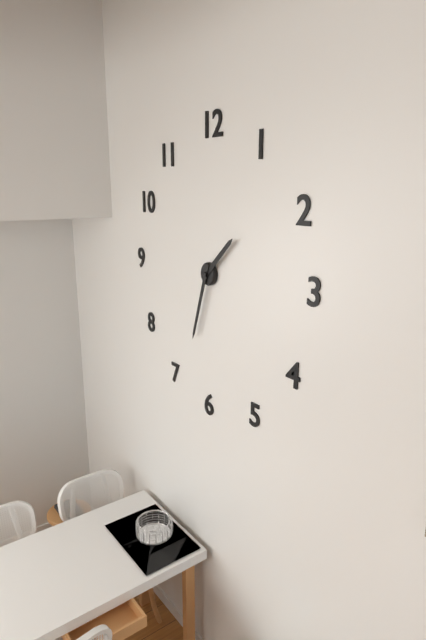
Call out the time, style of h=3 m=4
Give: h=1 m=33
